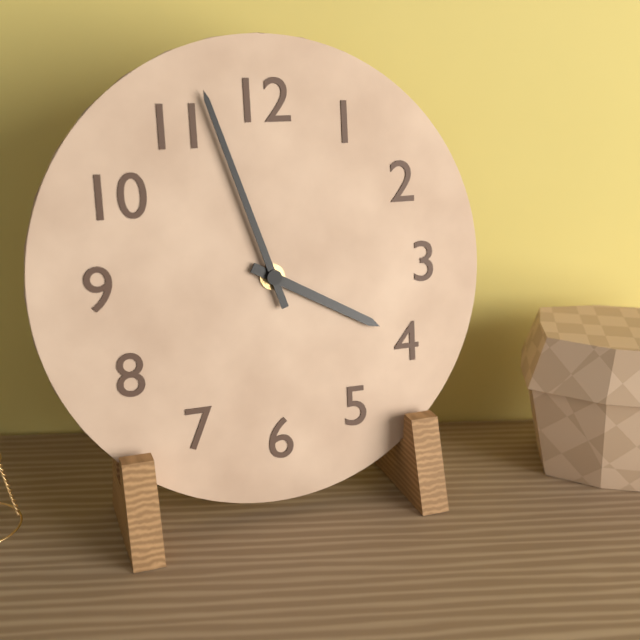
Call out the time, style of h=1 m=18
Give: h=3 m=57
